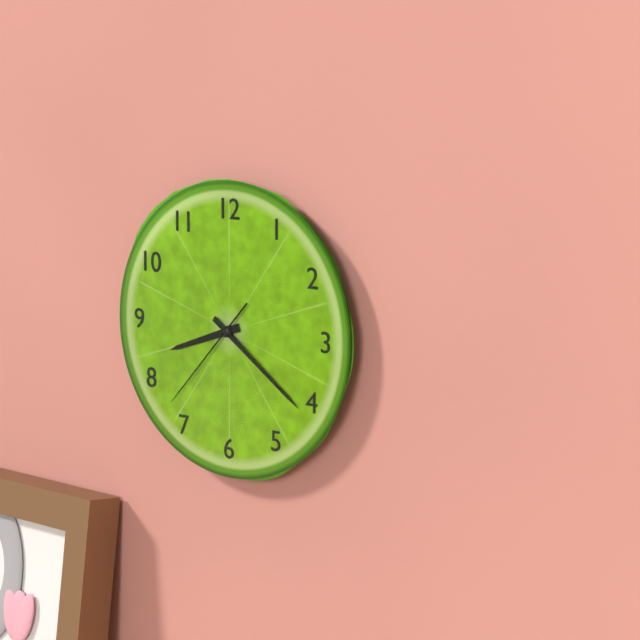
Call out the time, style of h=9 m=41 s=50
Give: h=8 m=21 s=37
